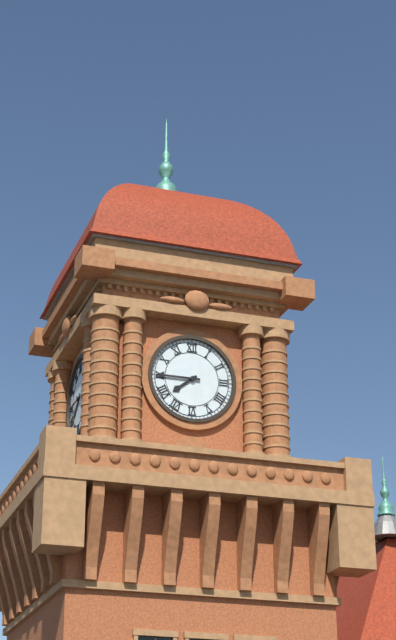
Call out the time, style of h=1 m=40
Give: h=7 m=45
